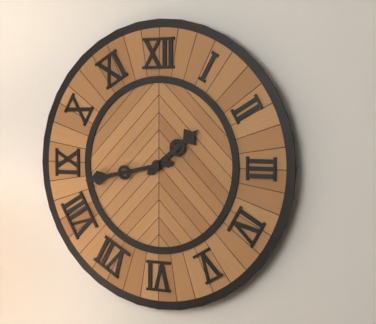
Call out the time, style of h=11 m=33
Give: h=1 m=43
